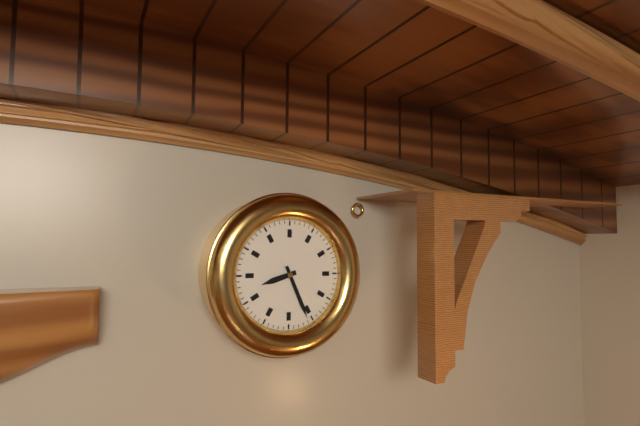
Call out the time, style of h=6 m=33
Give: h=8 m=26
